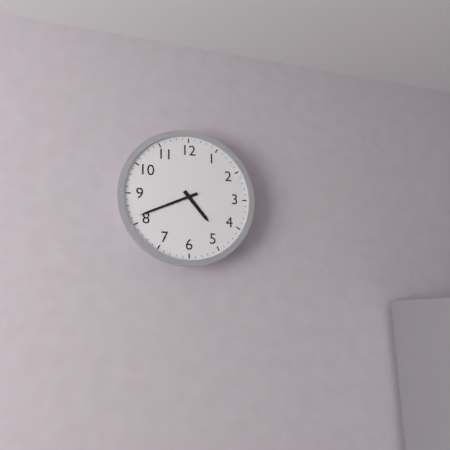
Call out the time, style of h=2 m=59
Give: h=4 m=41
